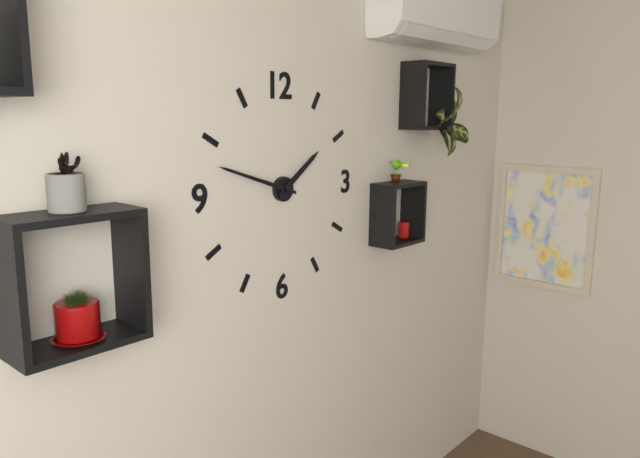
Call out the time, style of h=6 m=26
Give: h=1 m=48
